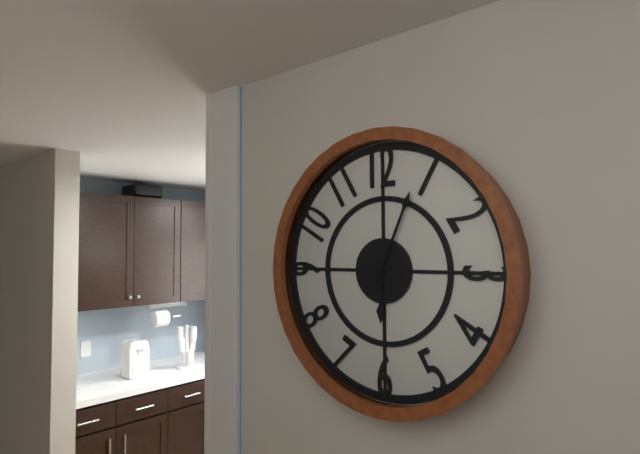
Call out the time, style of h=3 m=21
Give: h=6 m=4
